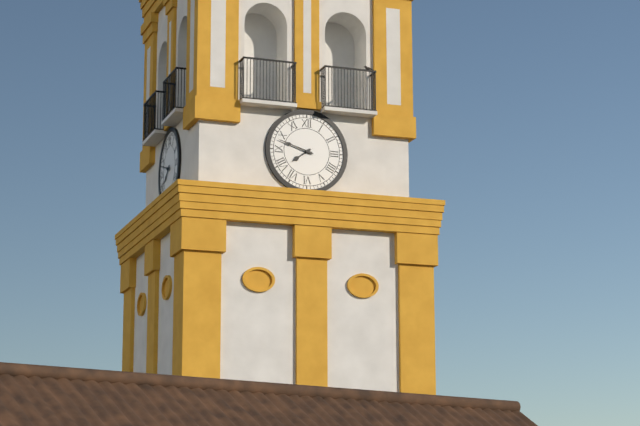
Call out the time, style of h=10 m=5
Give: h=7 m=48
